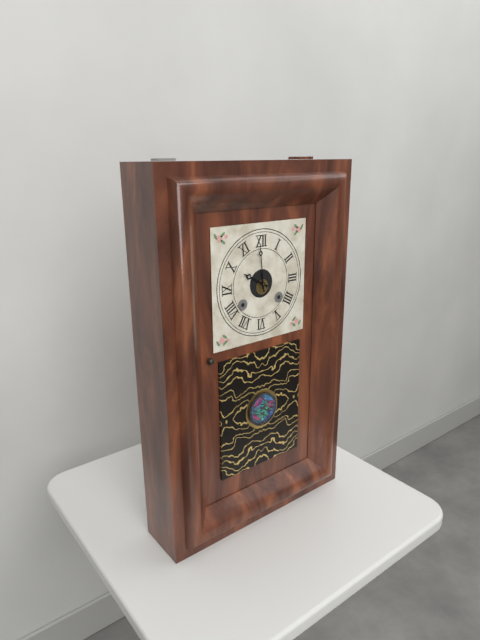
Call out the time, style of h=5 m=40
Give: h=9 m=59
